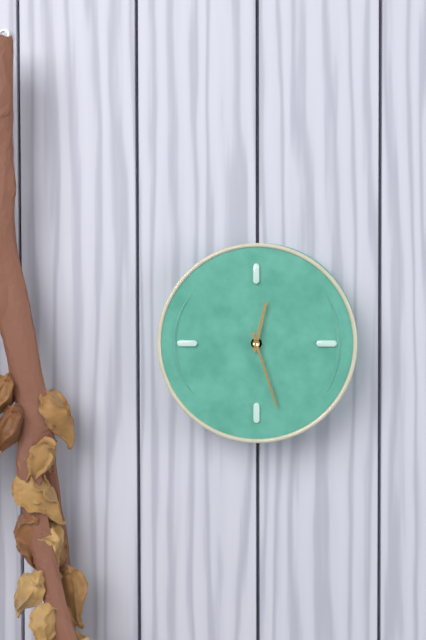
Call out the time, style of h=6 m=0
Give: h=12 m=27
